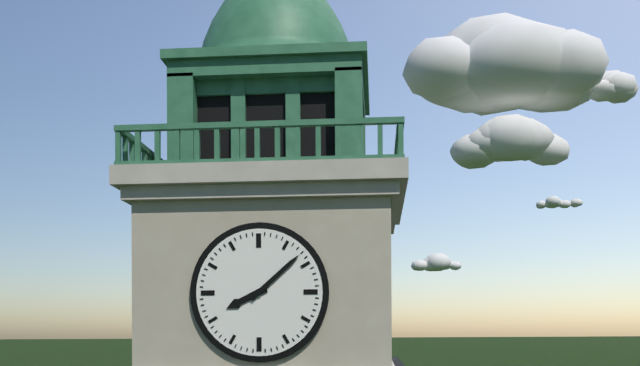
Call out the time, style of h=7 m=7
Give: h=8 m=8
